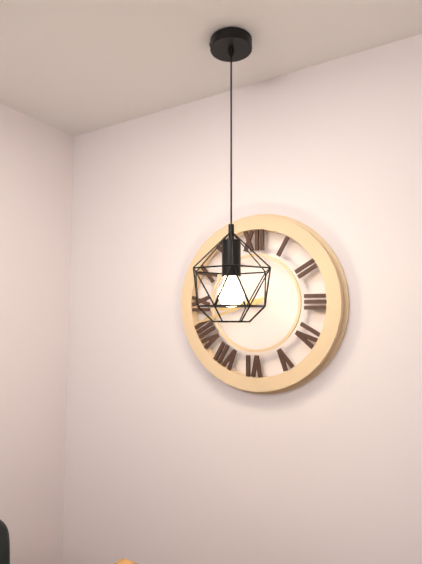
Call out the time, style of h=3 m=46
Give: h=8 m=42
